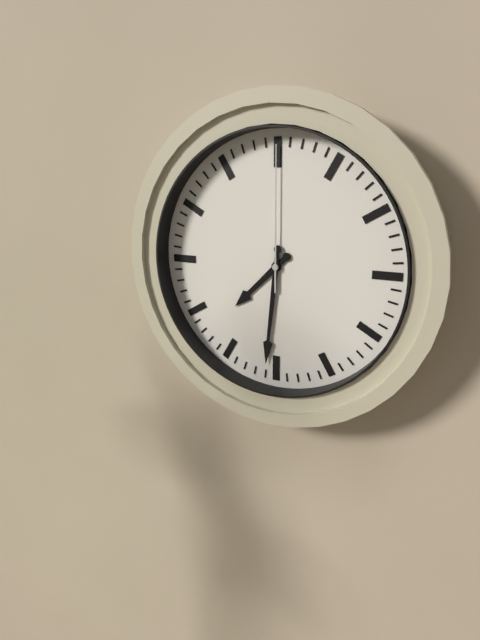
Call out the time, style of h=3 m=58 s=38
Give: h=7 m=31 s=0
